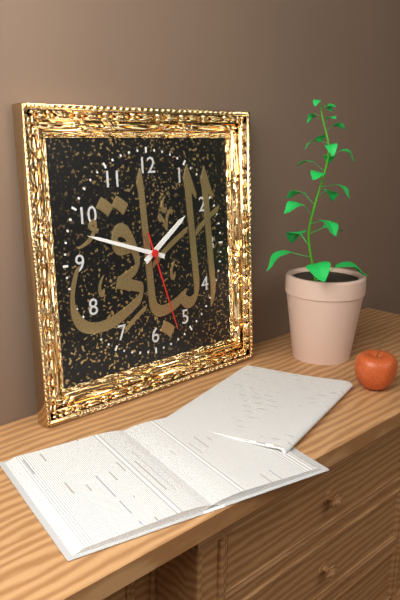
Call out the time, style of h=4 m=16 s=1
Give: h=1 m=48 s=27
